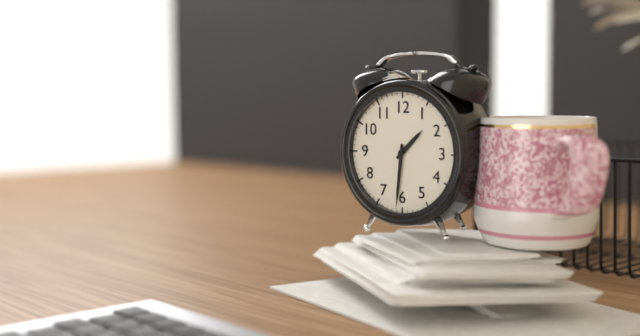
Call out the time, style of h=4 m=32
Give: h=1 m=31
